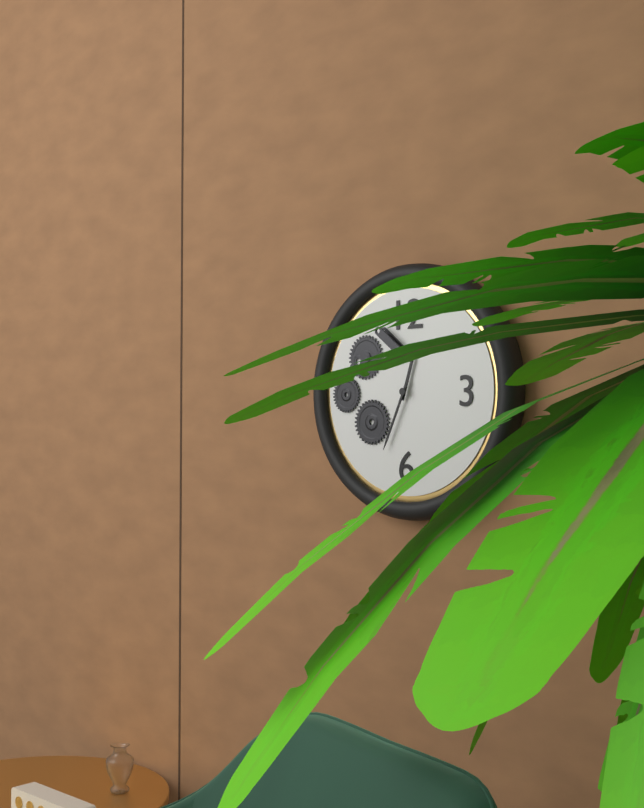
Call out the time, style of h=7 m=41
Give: h=12 m=34
